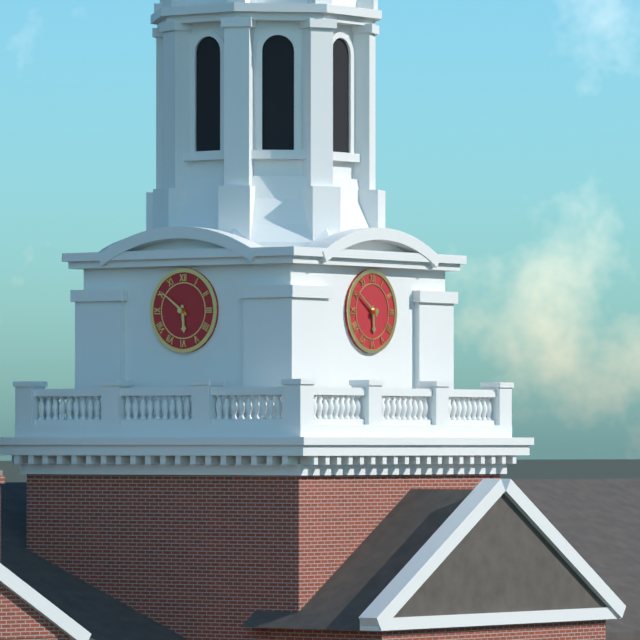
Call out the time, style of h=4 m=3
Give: h=5 m=51
